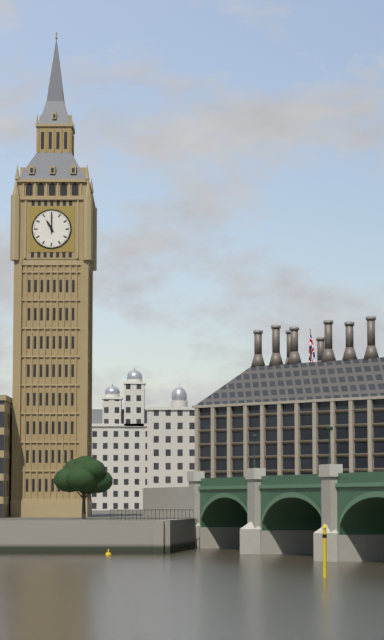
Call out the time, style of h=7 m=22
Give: h=11 m=0
